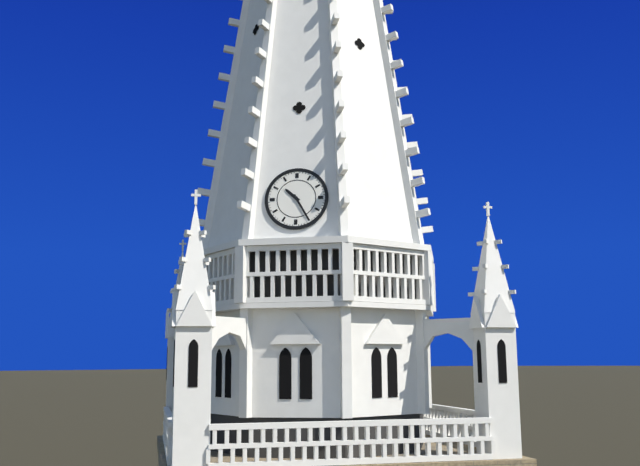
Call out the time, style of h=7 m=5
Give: h=10 m=25
